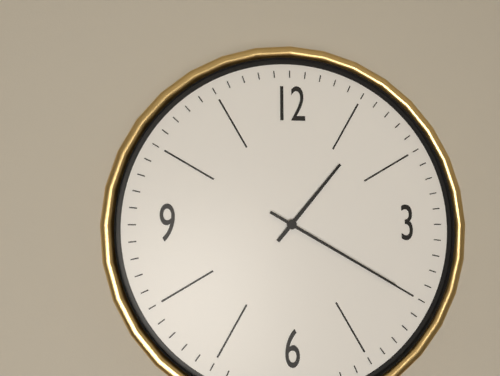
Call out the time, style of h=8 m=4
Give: h=1 m=20
